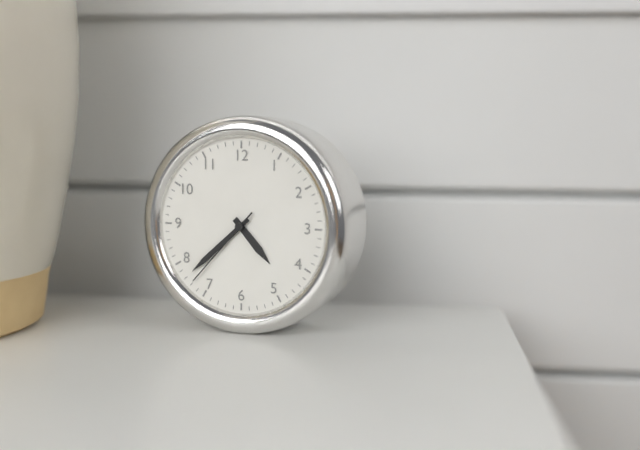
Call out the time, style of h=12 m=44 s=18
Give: h=4 m=38 s=37
